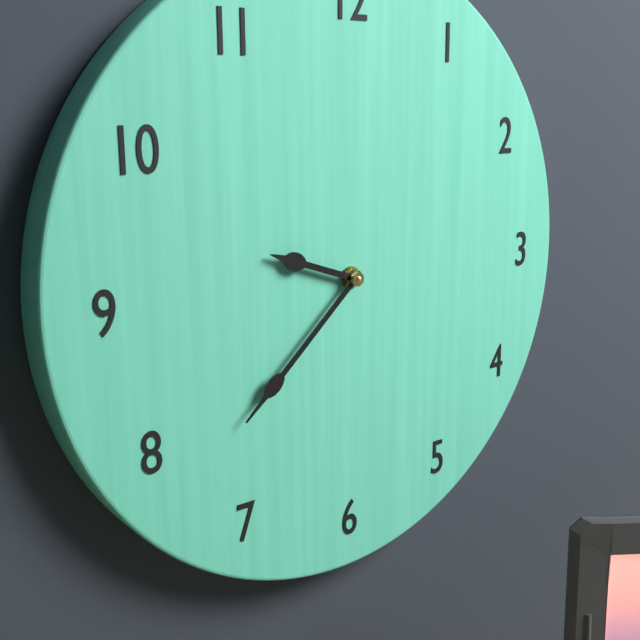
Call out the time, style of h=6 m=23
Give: h=9 m=38
